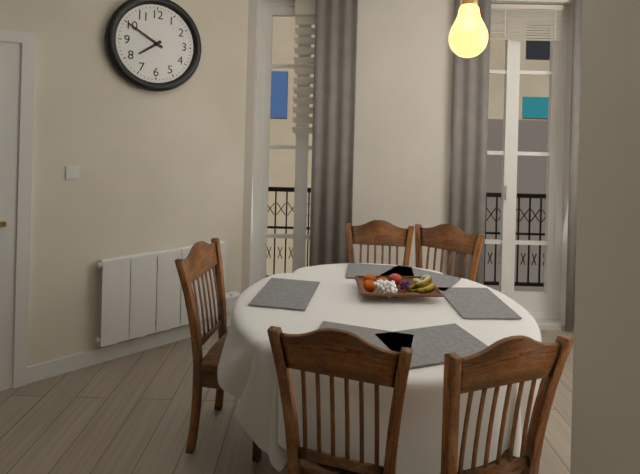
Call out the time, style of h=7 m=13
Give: h=7 m=50
